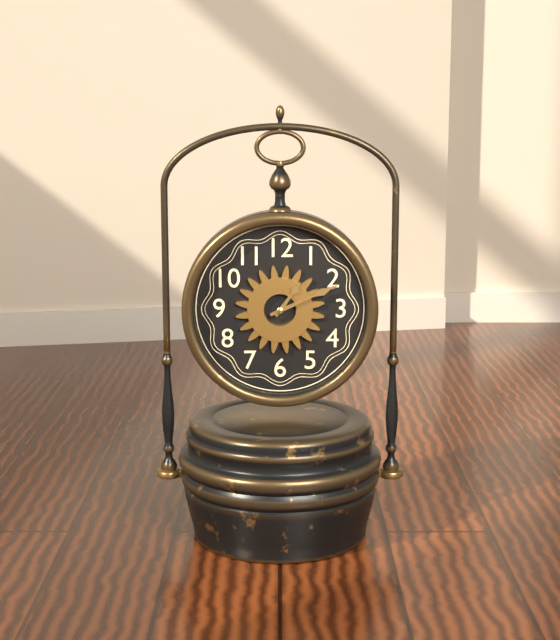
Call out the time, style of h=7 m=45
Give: h=1 m=11
